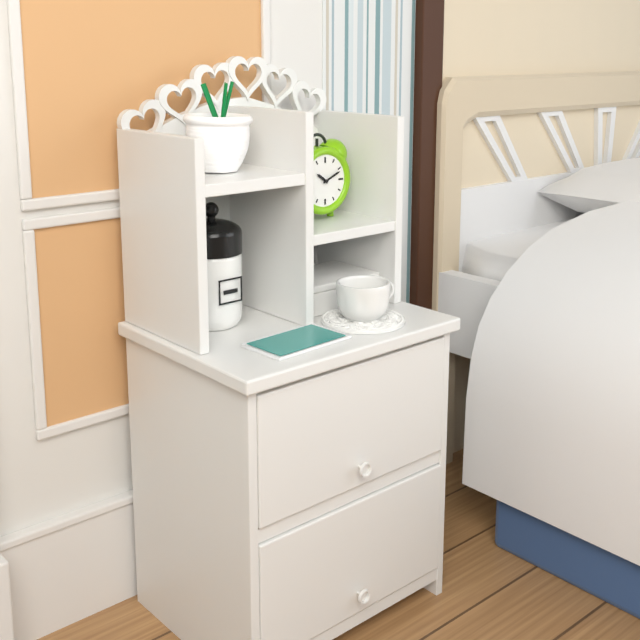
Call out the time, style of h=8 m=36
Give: h=10 m=11
